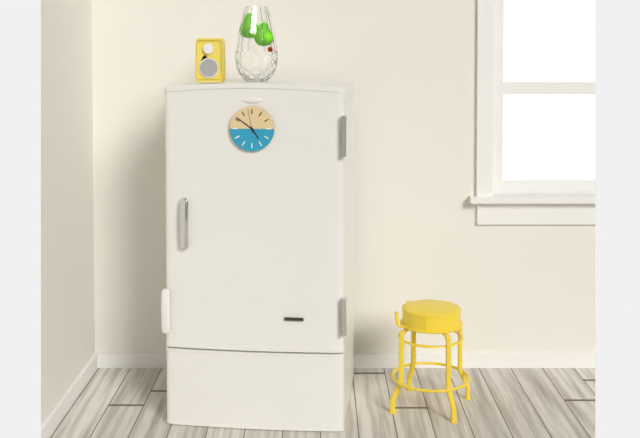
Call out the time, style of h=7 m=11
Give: h=4 m=51
